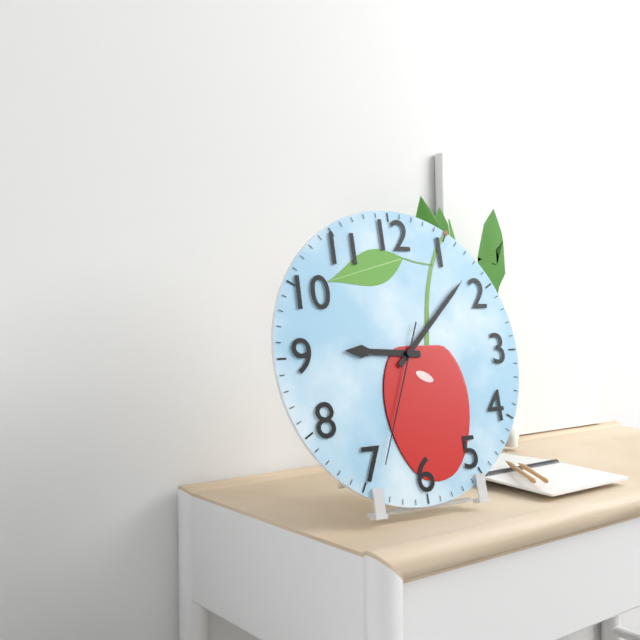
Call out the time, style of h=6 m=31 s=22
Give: h=9 m=8 s=34
